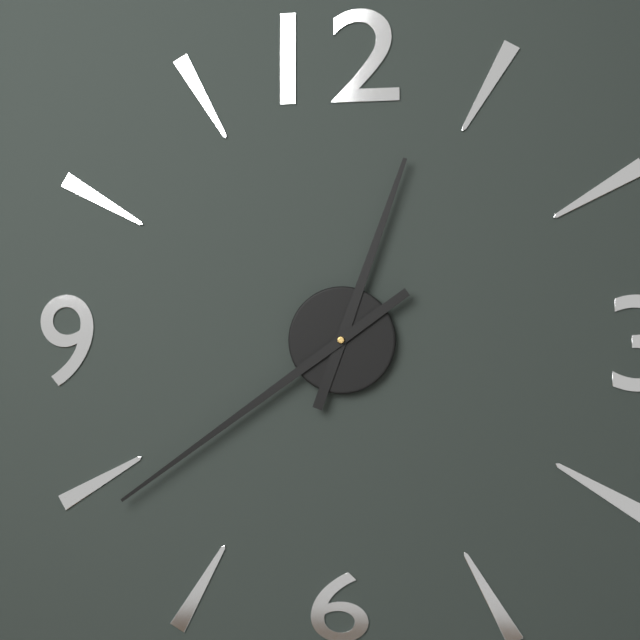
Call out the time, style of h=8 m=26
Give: h=12 m=39
